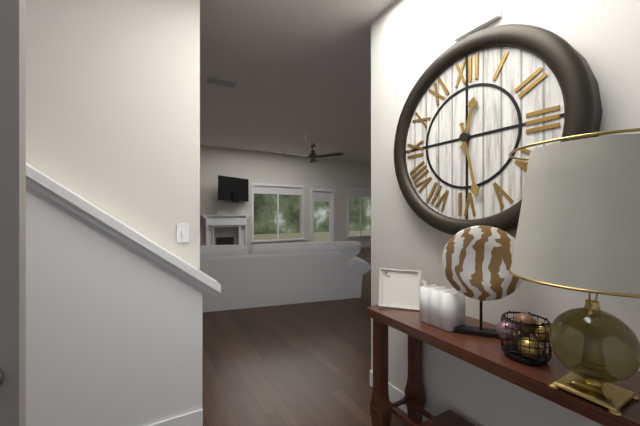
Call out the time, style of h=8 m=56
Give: h=12 m=28
